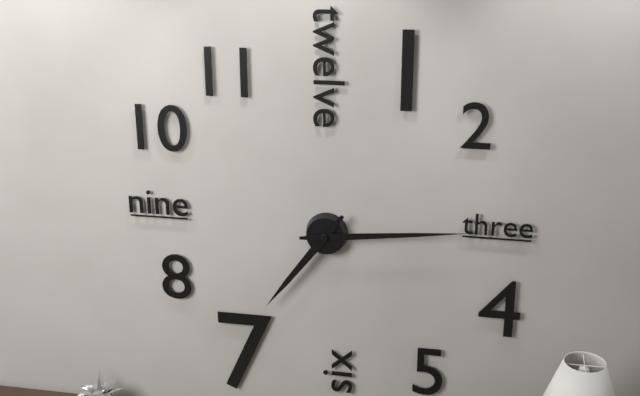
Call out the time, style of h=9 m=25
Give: h=7 m=14
